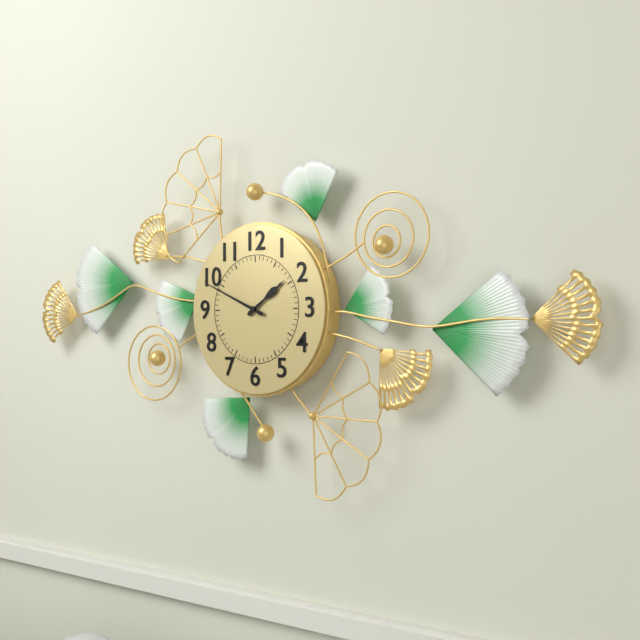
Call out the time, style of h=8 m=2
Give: h=1 m=49
